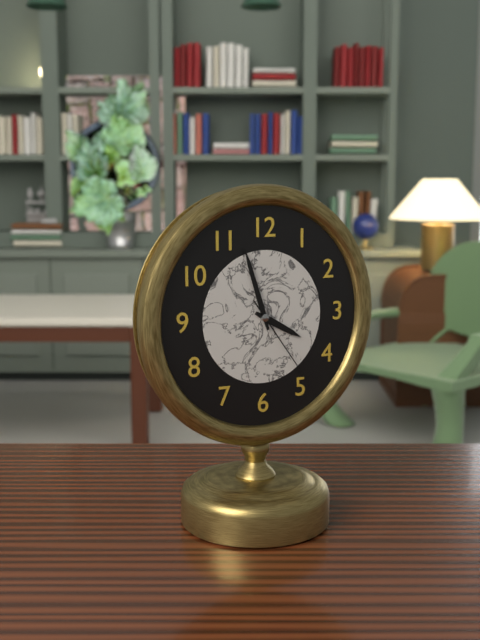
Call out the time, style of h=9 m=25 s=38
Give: h=3 m=57 s=24
